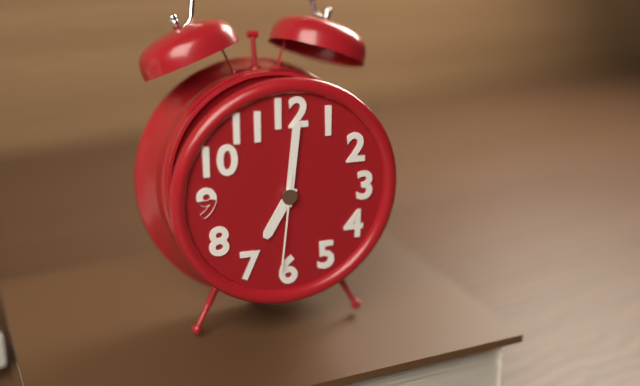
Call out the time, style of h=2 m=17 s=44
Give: h=7 m=1 s=31
